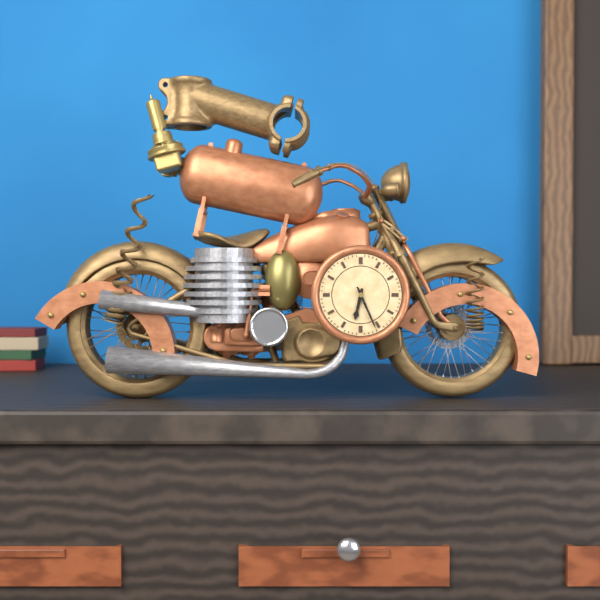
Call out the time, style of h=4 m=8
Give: h=6 m=26
